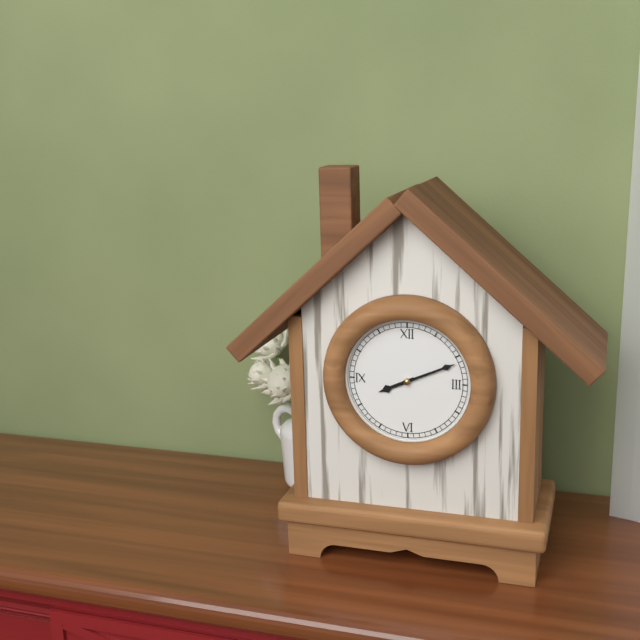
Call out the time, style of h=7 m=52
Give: h=8 m=11
